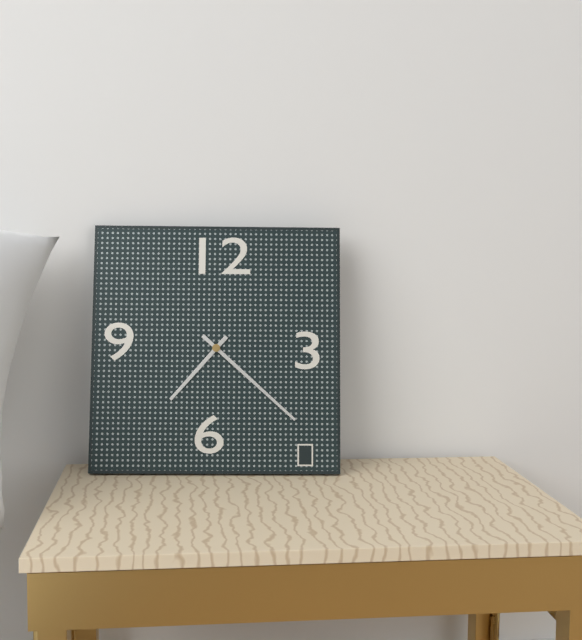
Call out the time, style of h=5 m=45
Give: h=7 m=22
